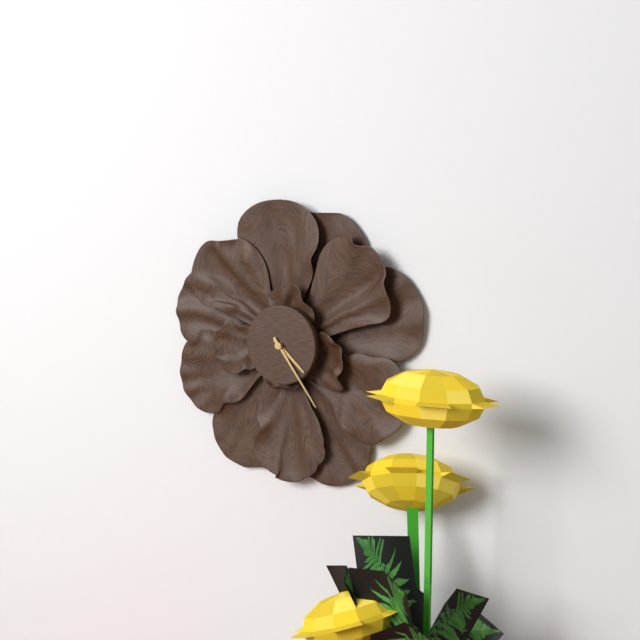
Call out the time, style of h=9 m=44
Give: h=4 m=24
